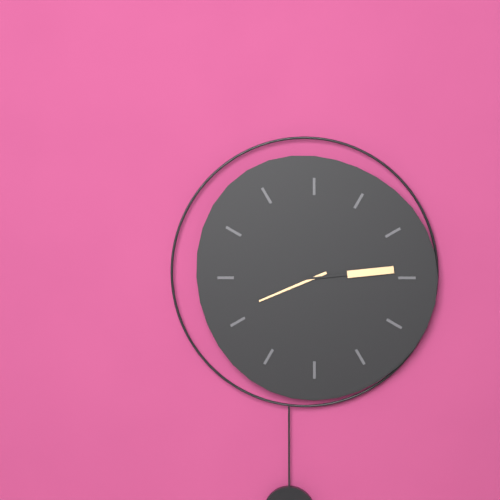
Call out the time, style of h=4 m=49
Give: h=8 m=14
